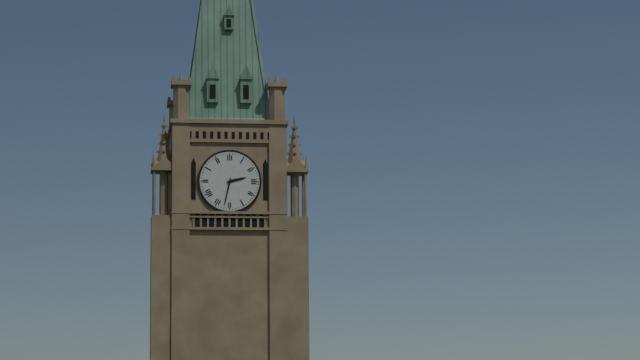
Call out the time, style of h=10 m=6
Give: h=2 m=32
